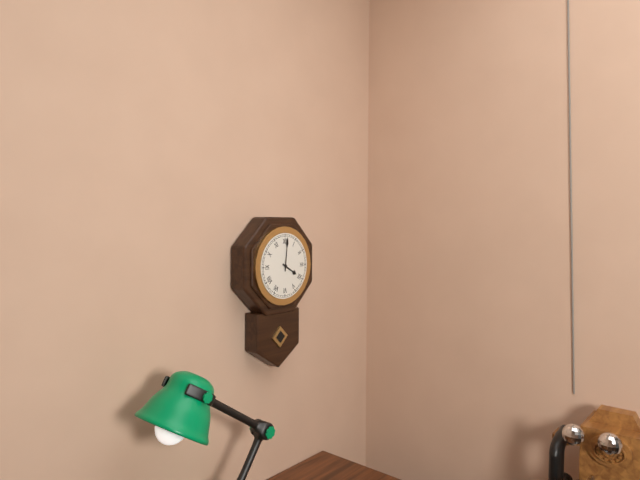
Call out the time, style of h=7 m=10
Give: h=4 m=1
